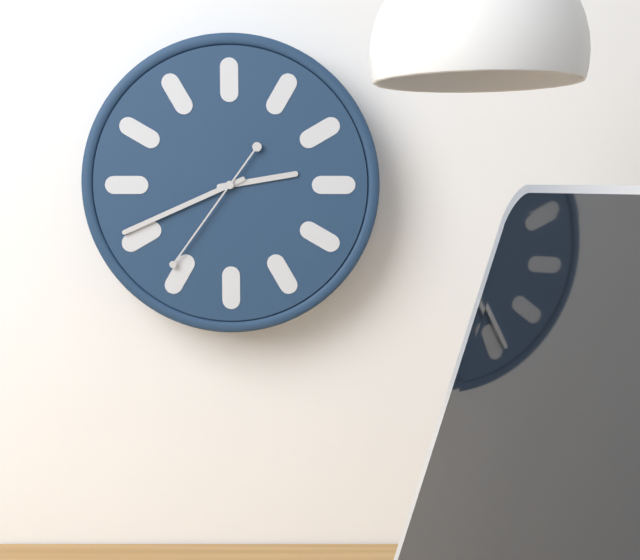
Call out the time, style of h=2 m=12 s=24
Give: h=2 m=41 s=36
